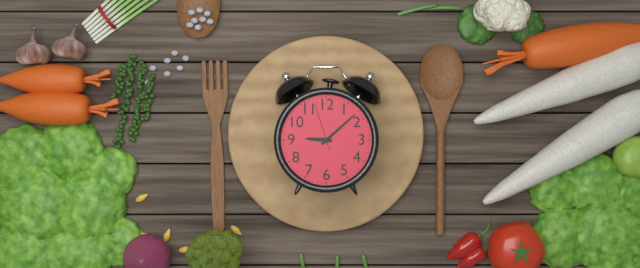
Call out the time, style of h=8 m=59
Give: h=9 m=8
